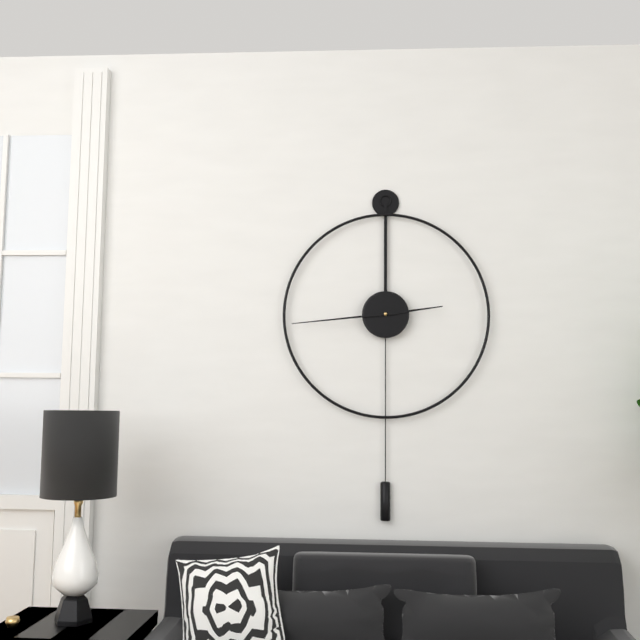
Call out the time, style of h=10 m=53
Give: h=2 m=44
